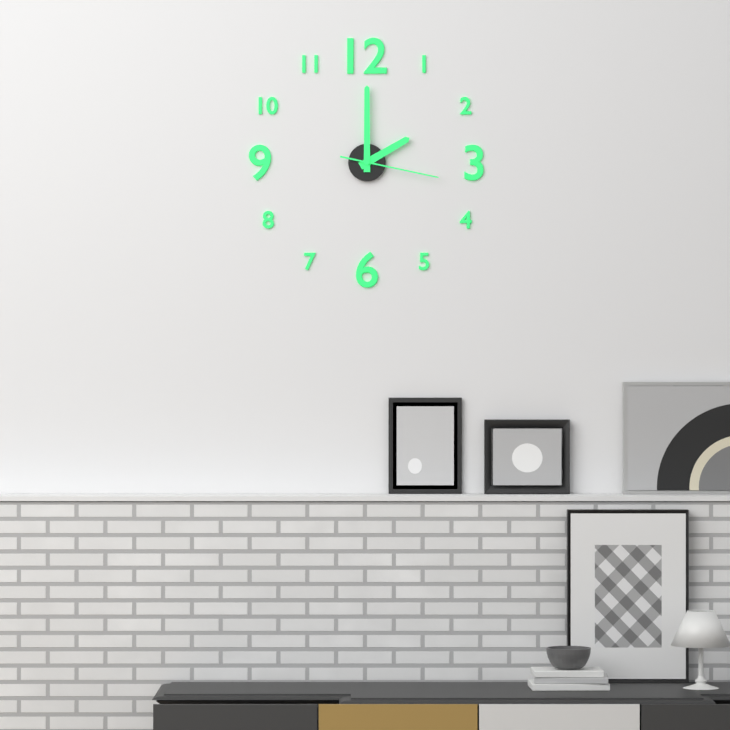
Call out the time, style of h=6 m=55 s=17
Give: h=2 m=0 s=17
